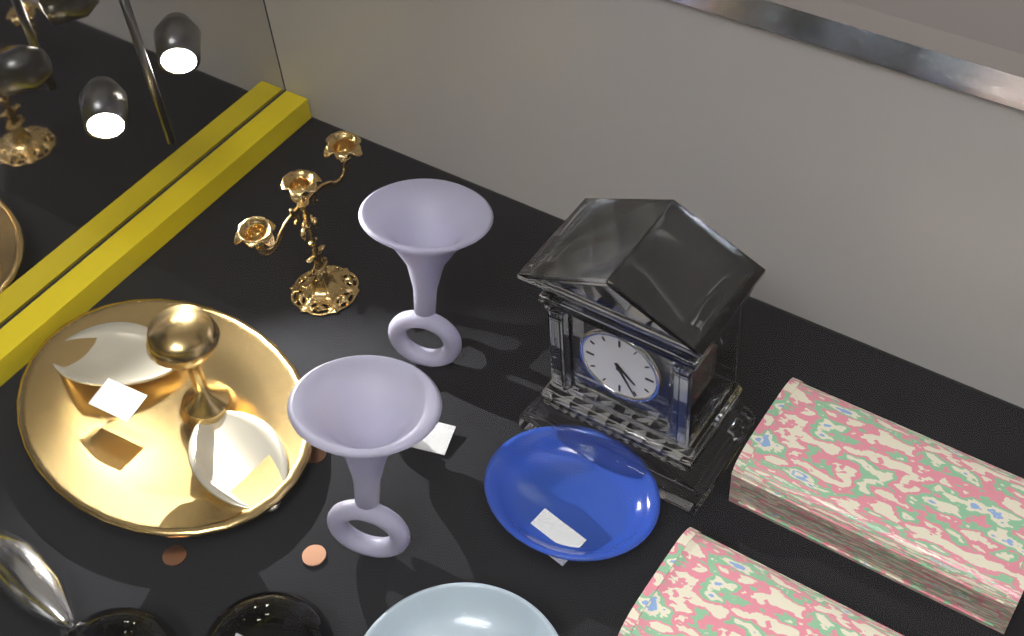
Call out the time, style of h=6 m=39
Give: h=4 m=25
